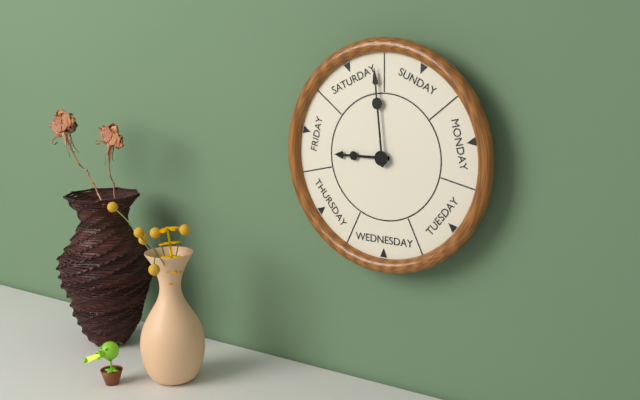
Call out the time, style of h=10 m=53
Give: h=8 m=59
